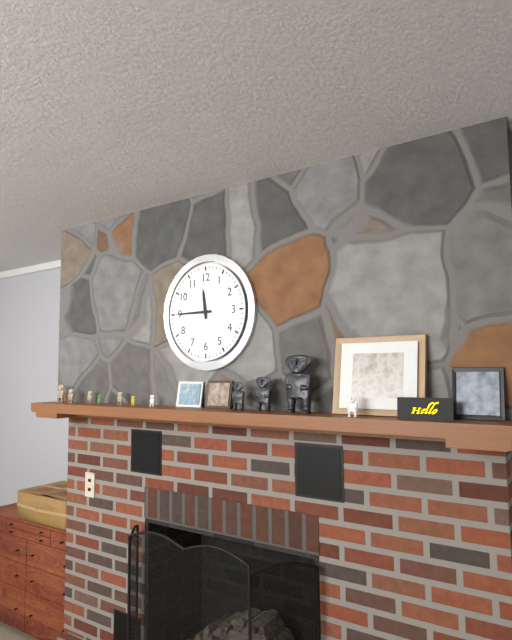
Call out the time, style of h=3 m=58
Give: h=11 m=45
